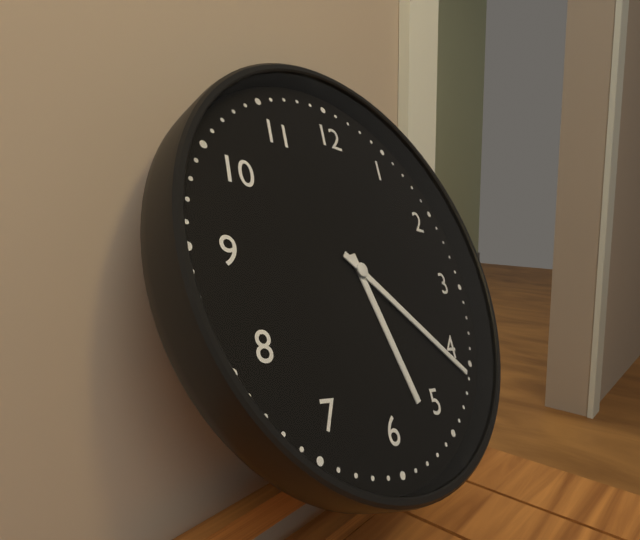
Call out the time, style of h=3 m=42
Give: h=5 m=21
